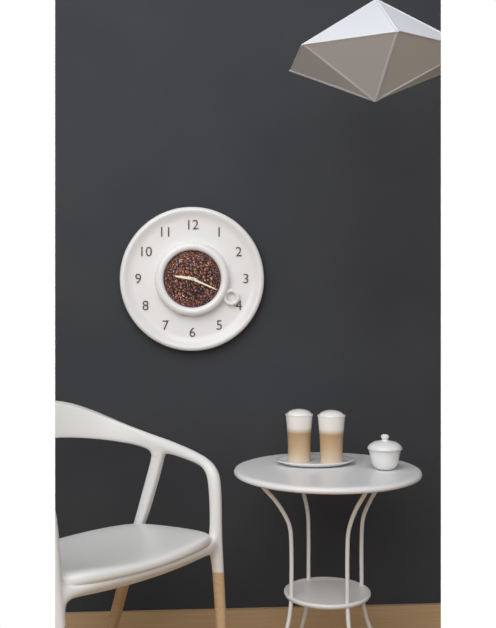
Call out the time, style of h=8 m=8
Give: h=9 m=19
